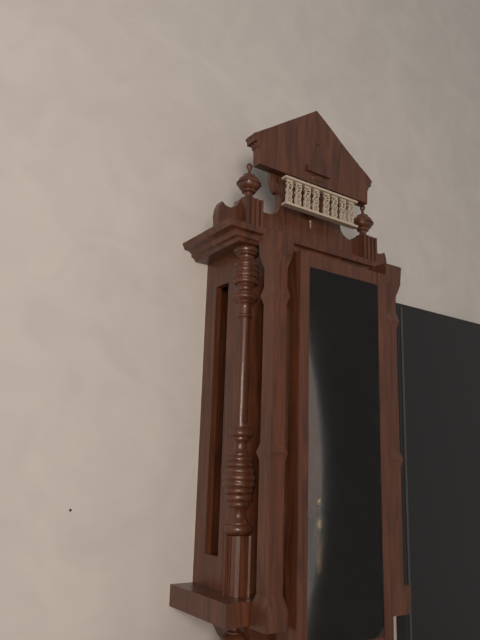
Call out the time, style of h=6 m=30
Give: h=1 m=14
